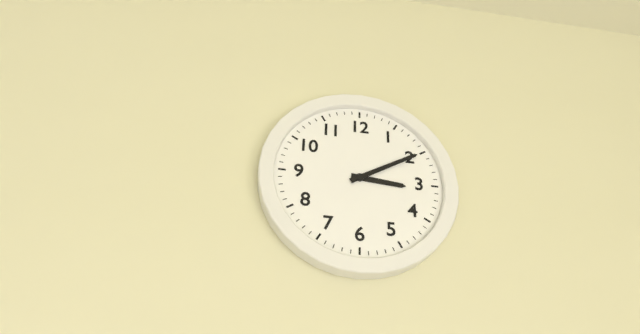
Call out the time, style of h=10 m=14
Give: h=3 m=10
